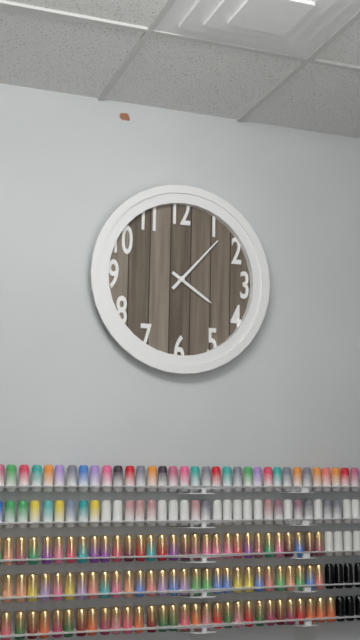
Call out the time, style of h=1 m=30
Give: h=4 m=7
